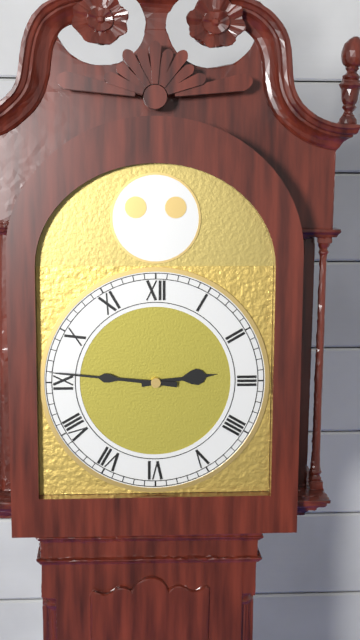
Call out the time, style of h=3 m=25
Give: h=2 m=46
